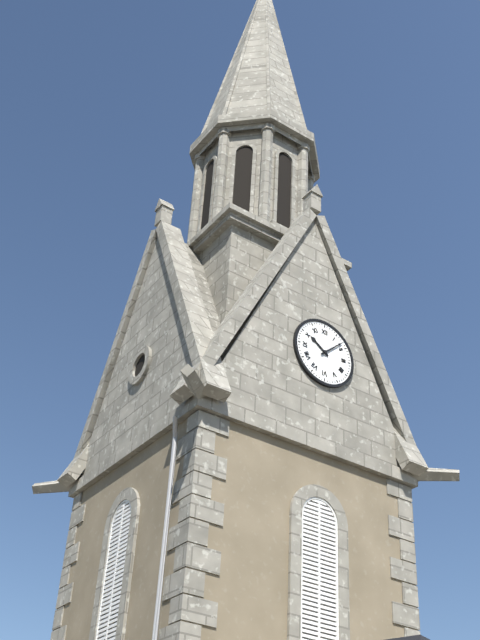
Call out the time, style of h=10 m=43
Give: h=10 m=8
